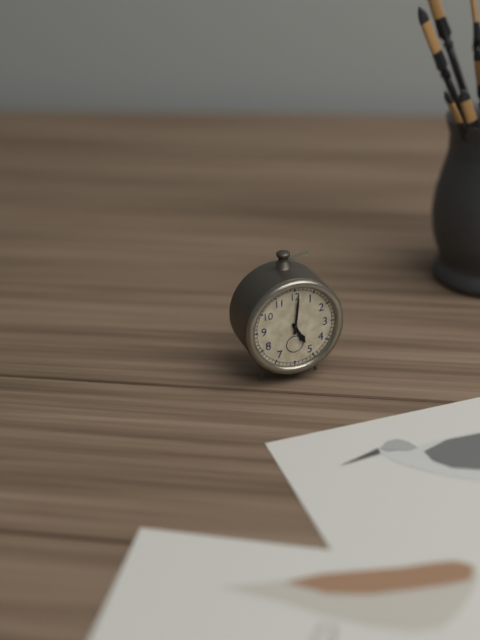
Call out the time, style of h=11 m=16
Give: h=5 m=1
